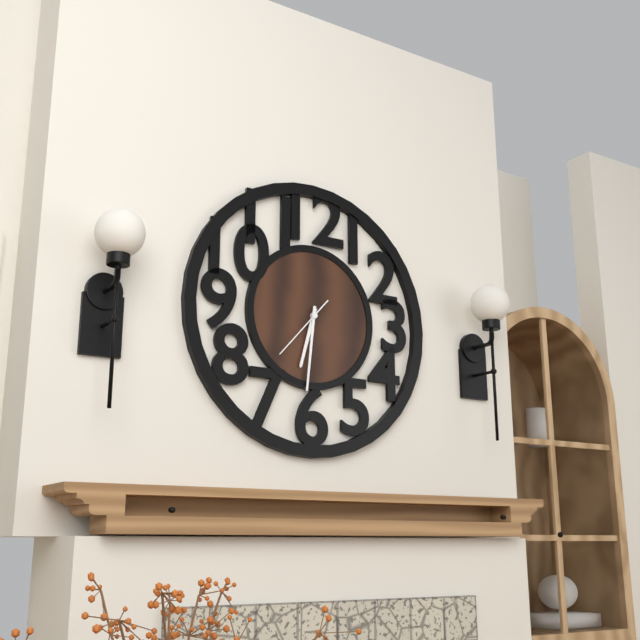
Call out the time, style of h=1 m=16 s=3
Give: h=6 m=31 s=37
